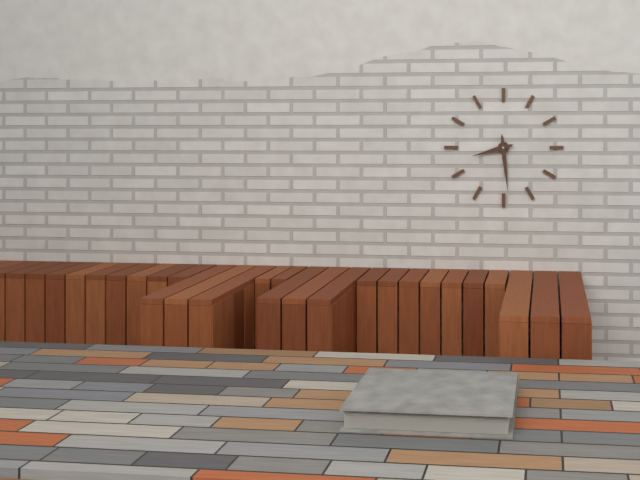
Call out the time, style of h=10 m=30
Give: h=8 m=29
